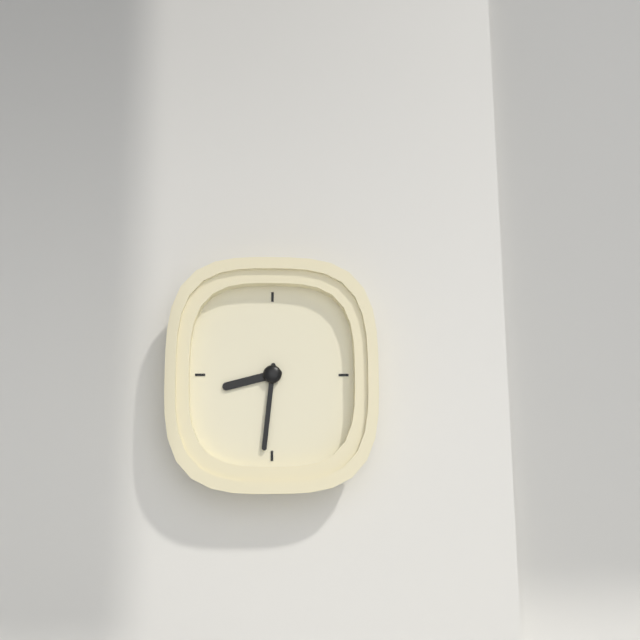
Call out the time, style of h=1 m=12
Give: h=8 m=31
